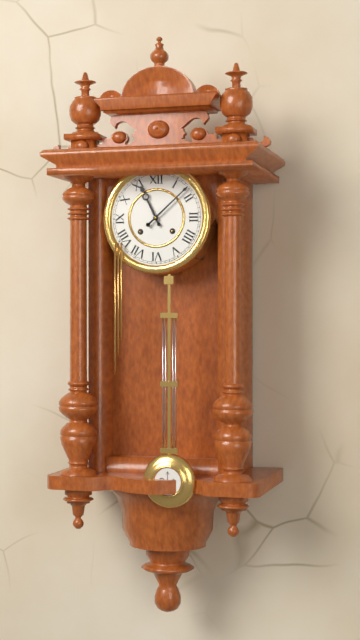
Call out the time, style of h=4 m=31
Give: h=11 m=8
